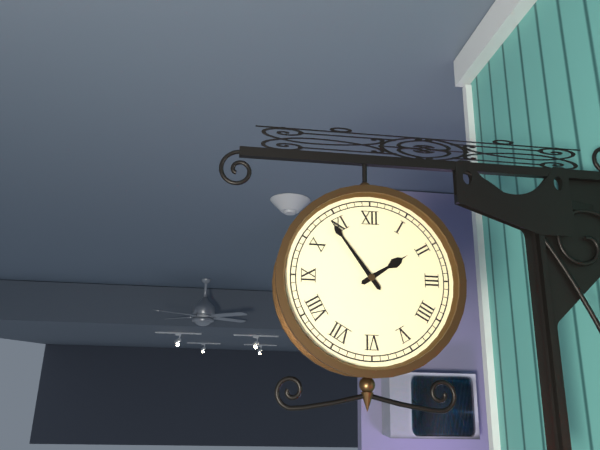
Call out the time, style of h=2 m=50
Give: h=1 m=54
